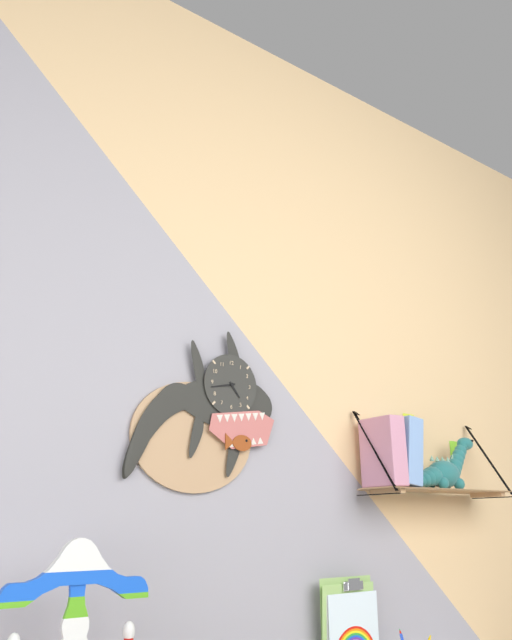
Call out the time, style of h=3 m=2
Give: h=4 m=43
